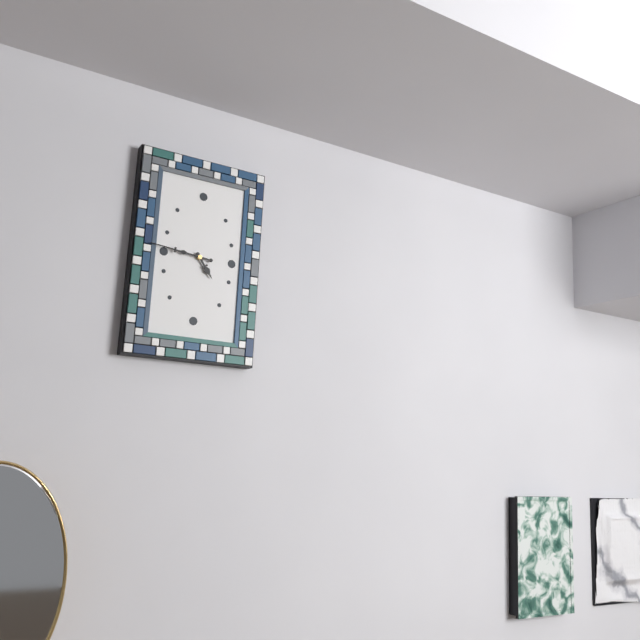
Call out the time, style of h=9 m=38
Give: h=4 m=46
